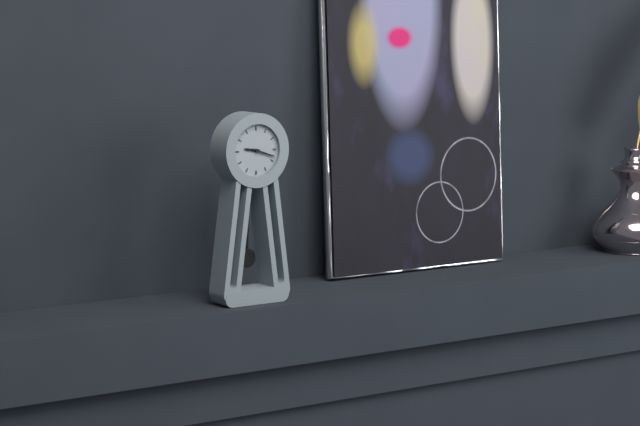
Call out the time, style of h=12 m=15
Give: h=9 m=18
